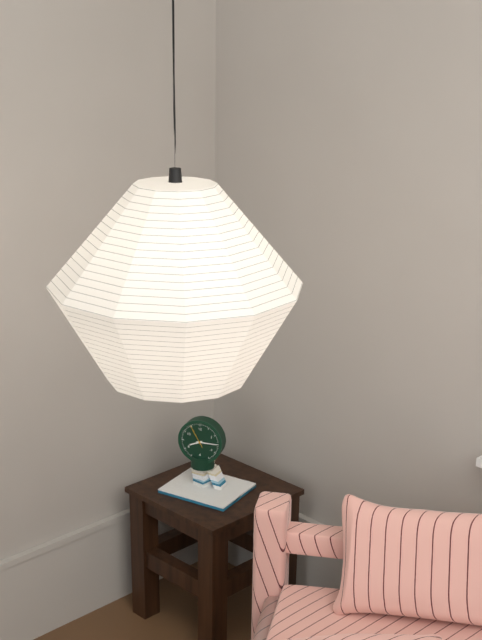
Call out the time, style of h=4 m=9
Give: h=8 m=15
